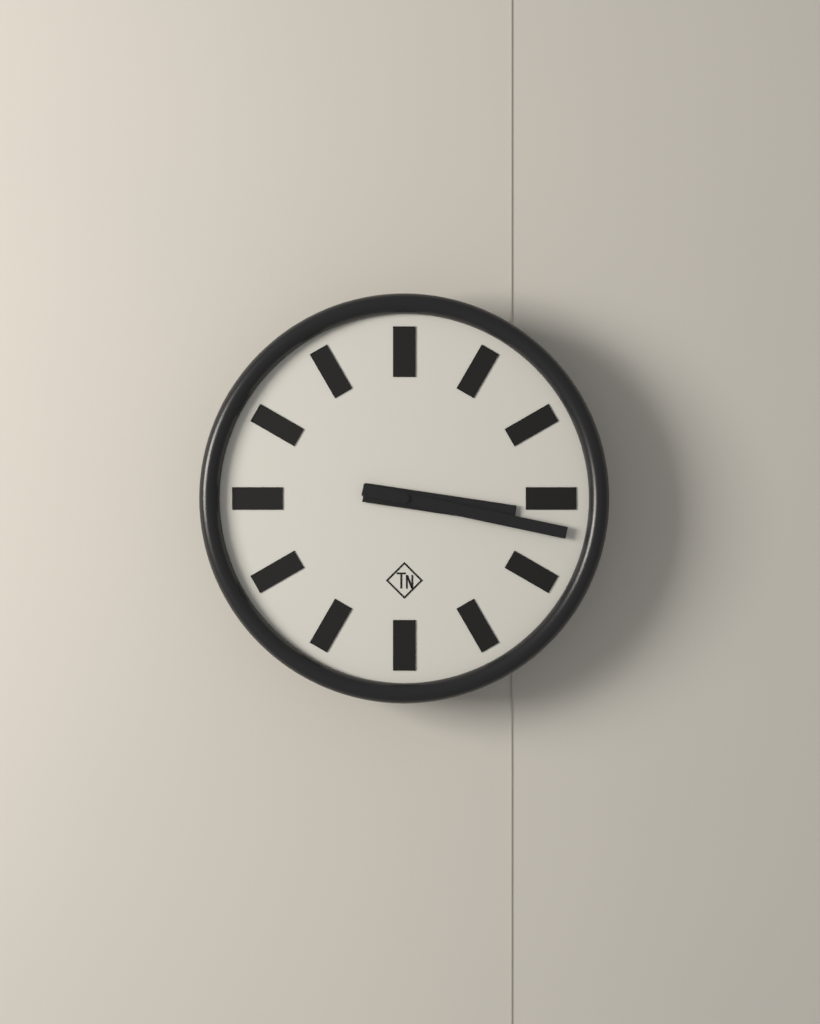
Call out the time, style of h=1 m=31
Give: h=3 m=17
